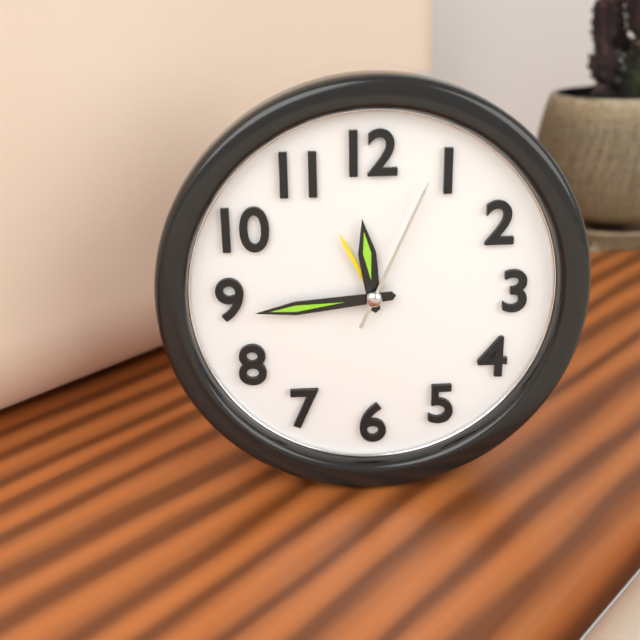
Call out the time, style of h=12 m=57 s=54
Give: h=11 m=44 s=4
